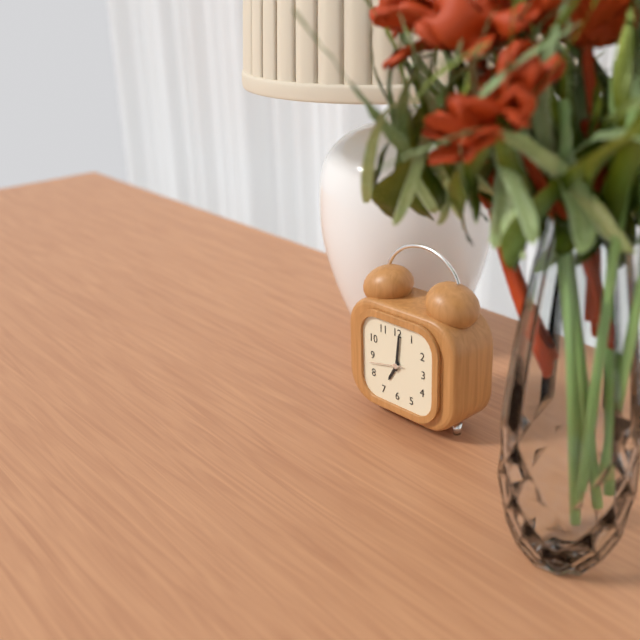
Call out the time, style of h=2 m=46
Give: h=7 m=1
